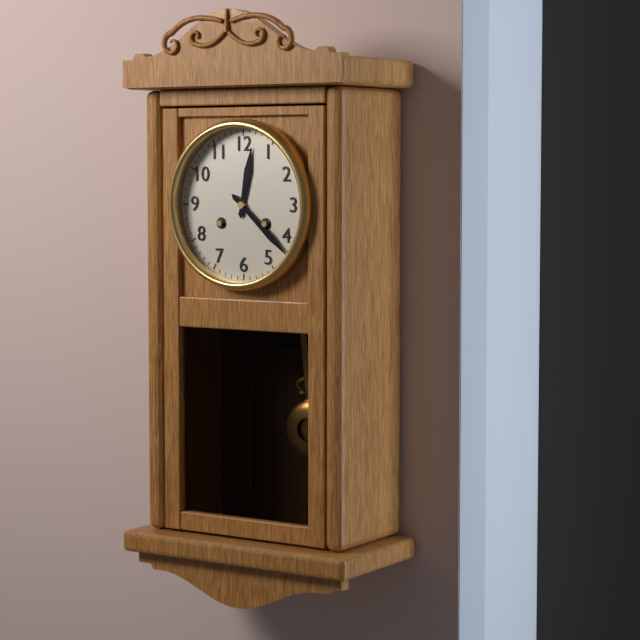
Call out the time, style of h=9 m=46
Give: h=12 m=22
